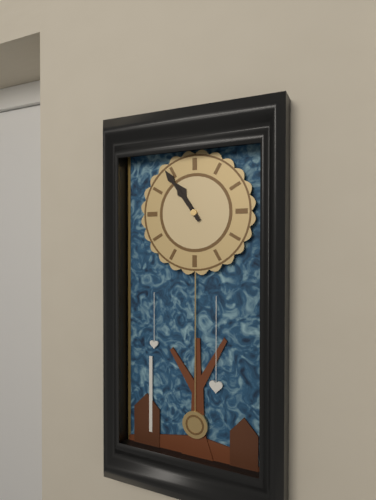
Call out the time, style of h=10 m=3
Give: h=10 m=54
